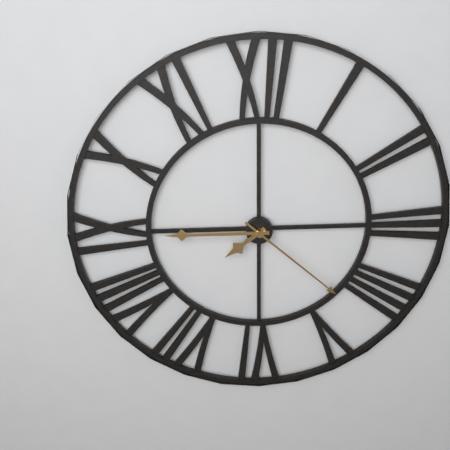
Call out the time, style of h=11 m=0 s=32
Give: h=7 m=45 s=22
